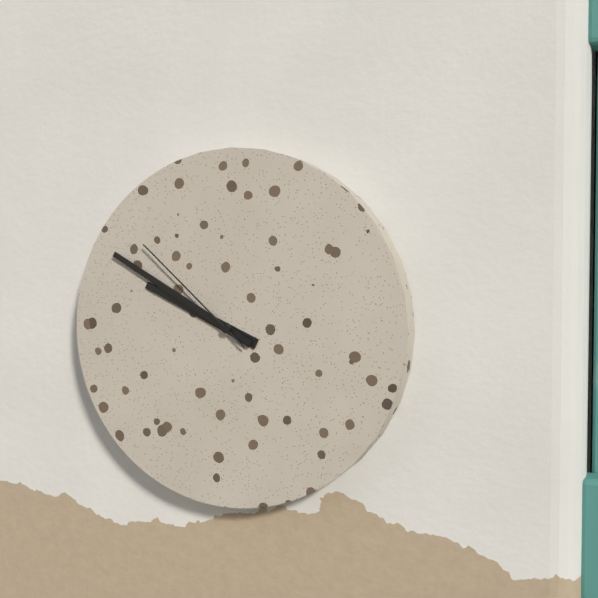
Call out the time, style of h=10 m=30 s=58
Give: h=9 m=50 s=52
